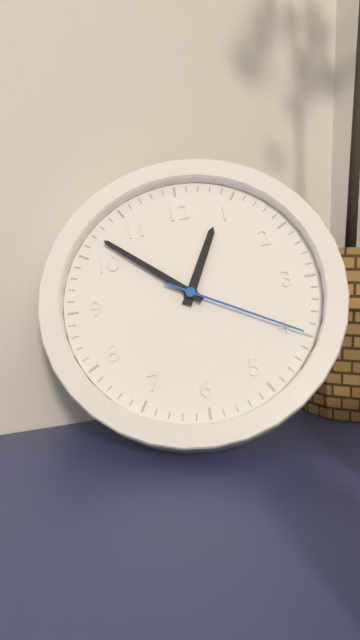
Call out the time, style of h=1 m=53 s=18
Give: h=12 m=52 s=20
